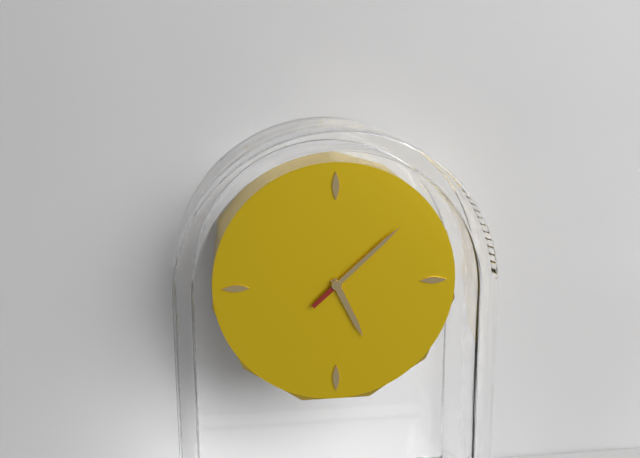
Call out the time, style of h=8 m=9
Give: h=5 m=8
